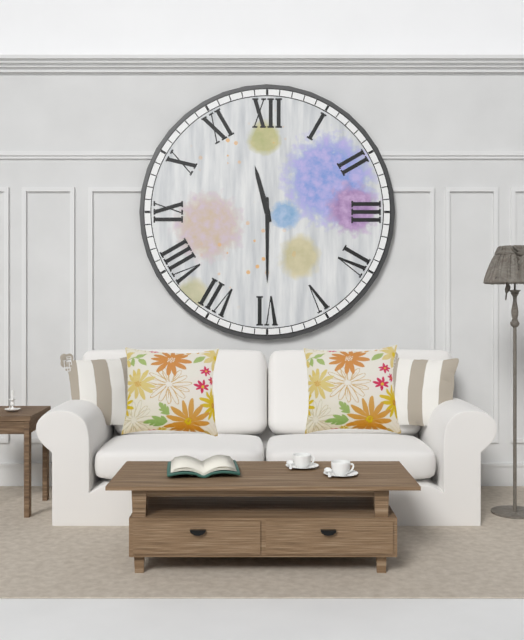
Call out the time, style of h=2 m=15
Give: h=11 m=30
